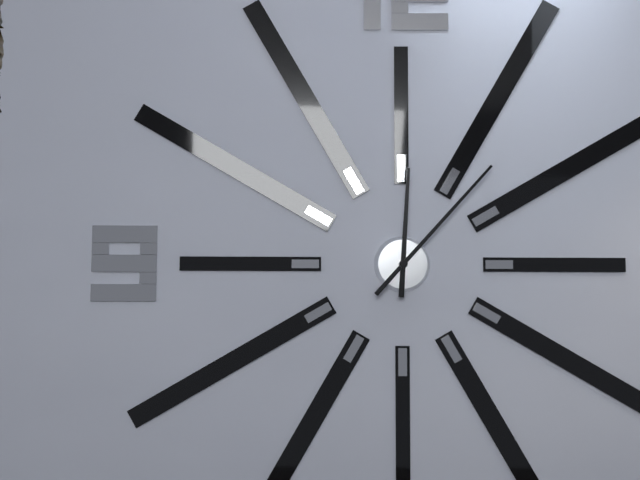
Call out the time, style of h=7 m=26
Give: h=12 m=7
